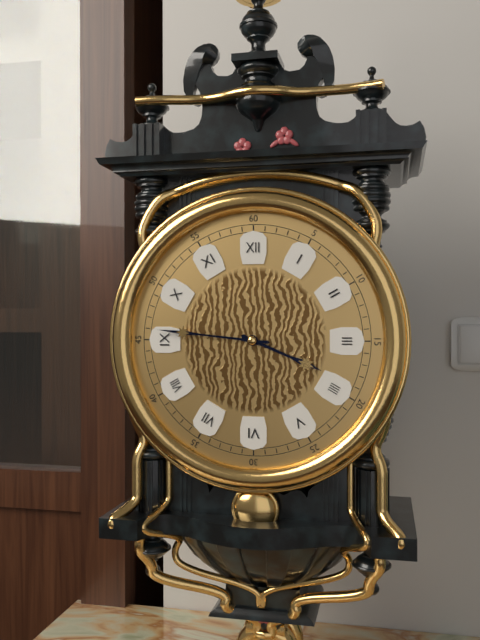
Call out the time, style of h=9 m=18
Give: h=3 m=46
